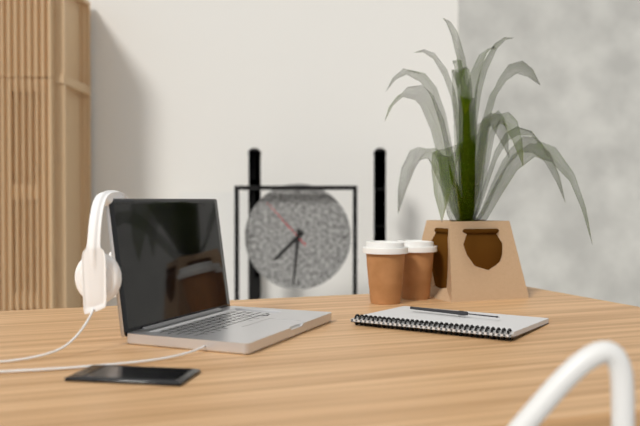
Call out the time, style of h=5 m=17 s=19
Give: h=7 m=31 s=53
